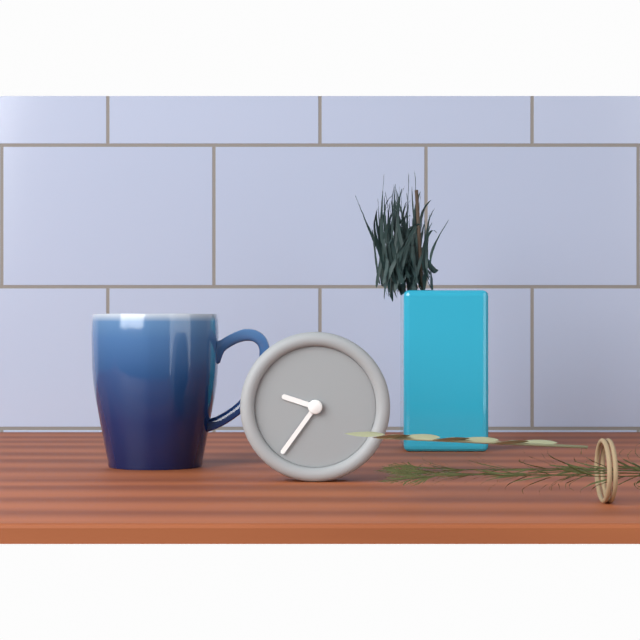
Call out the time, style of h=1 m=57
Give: h=9 m=36
